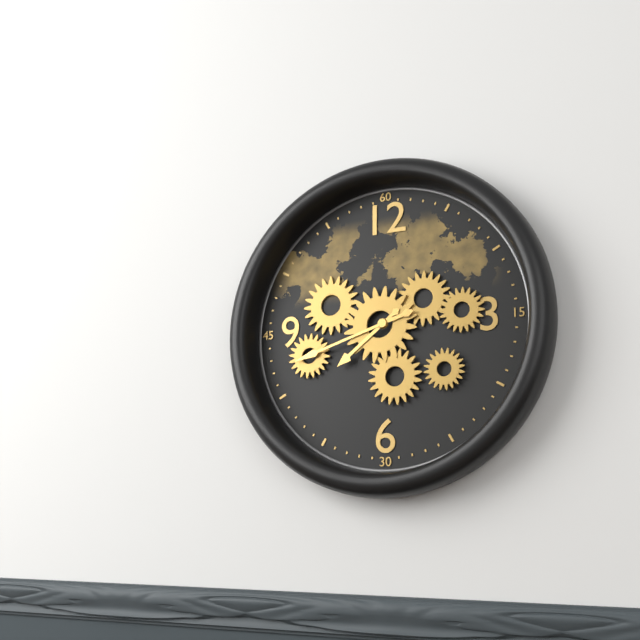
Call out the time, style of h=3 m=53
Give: h=7 m=42
